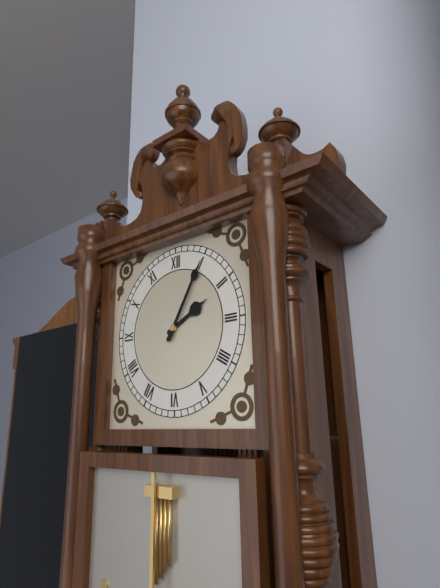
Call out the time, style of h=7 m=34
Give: h=2 m=5
